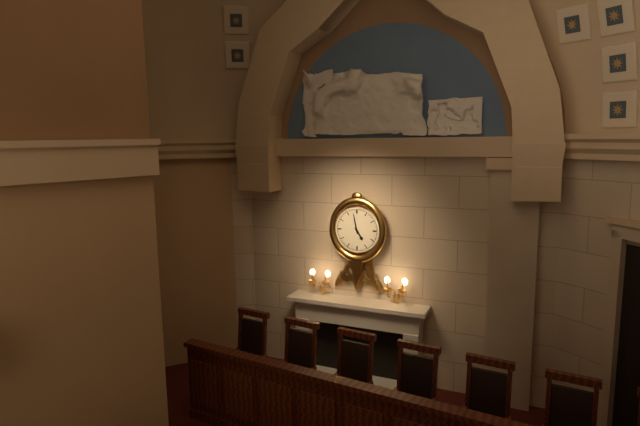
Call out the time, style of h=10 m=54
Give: h=4 m=58
